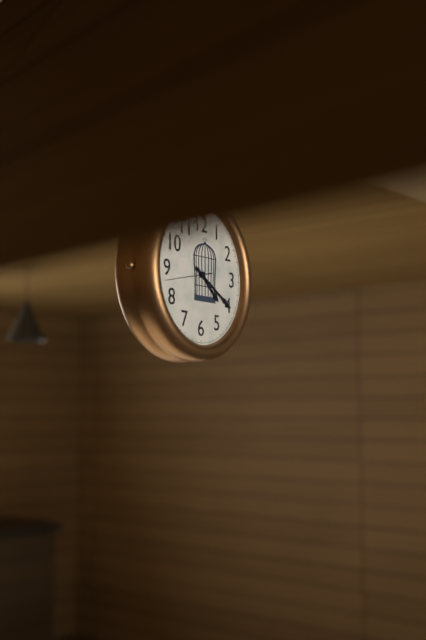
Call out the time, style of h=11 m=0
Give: h=4 m=20
